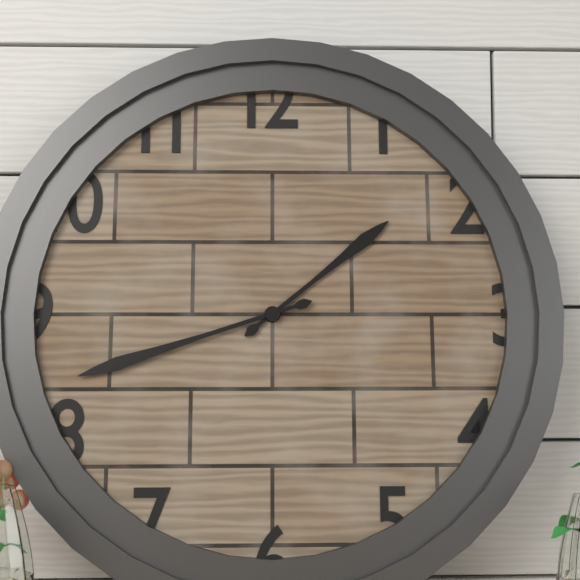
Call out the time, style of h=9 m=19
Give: h=1 m=42
